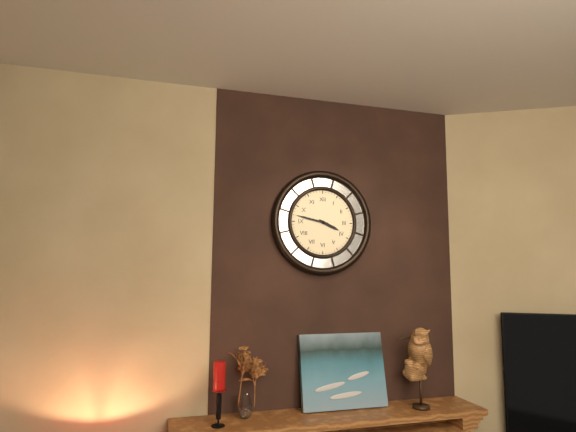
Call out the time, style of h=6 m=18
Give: h=3 m=47
